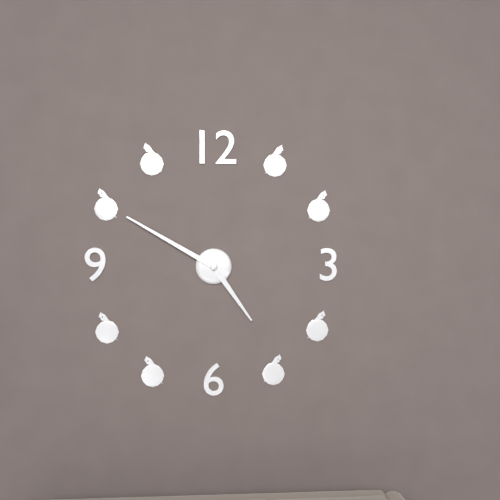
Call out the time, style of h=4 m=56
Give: h=4 m=50
